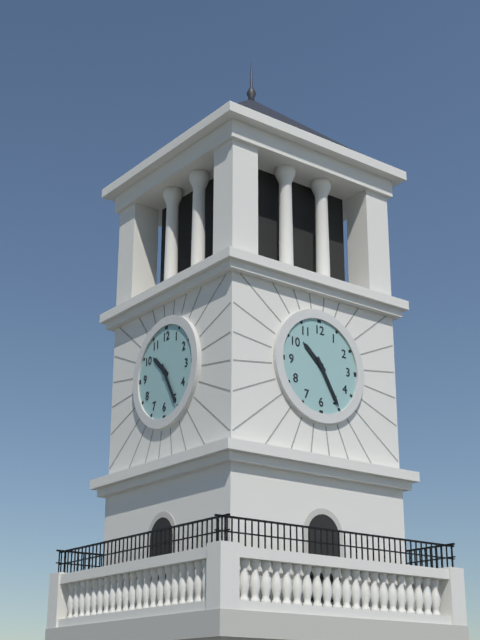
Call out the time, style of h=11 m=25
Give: h=10 m=25
